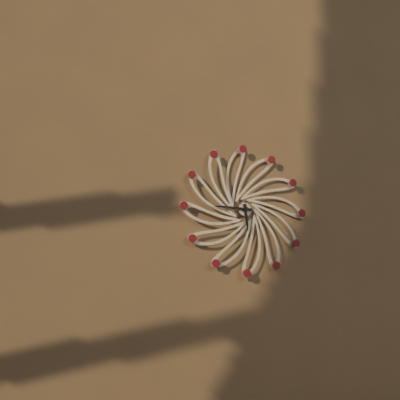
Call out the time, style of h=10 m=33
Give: h=5 m=45
